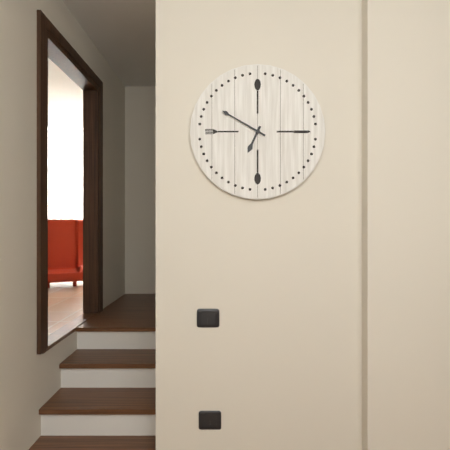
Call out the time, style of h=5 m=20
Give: h=6 m=50
